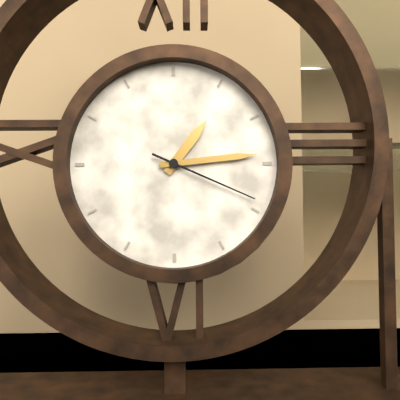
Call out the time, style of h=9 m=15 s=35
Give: h=1 m=14 s=19
